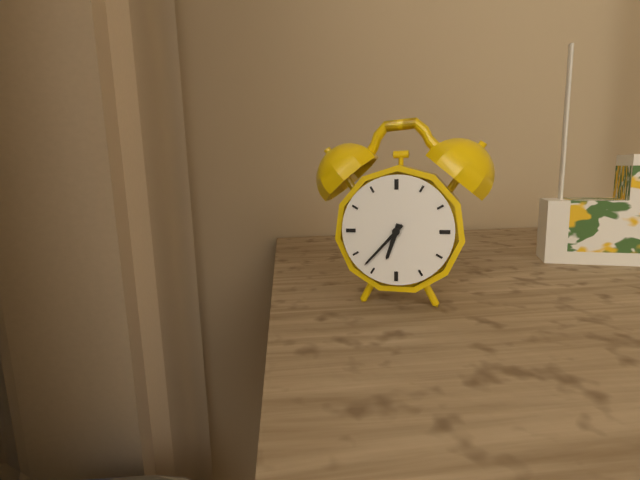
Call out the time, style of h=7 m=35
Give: h=6 m=37
